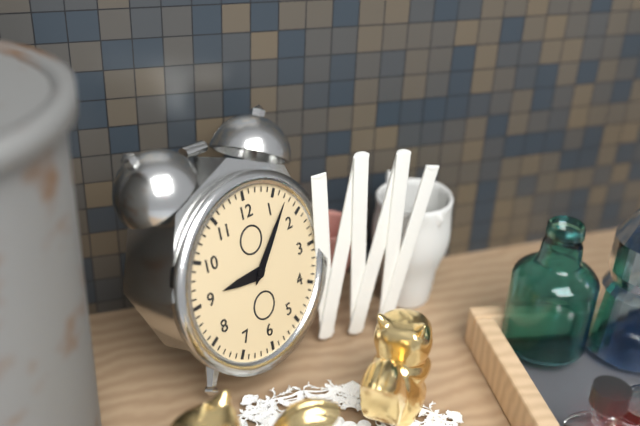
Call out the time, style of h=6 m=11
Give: h=9 m=7
